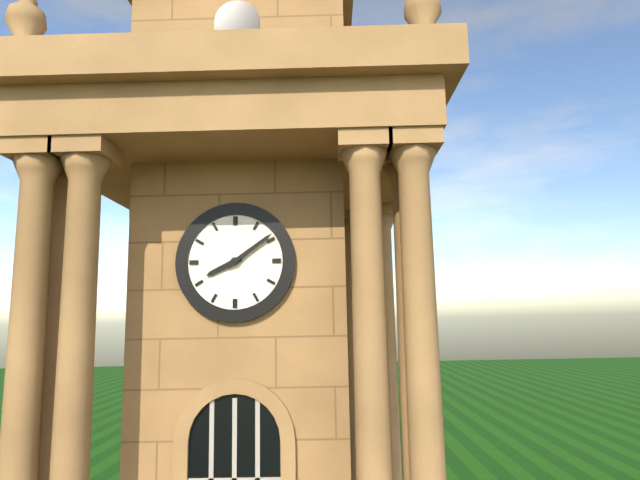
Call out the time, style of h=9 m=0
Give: h=8 m=9
